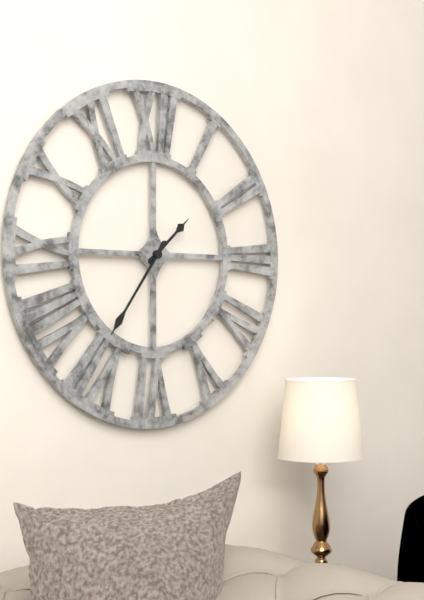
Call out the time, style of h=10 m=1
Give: h=1 m=36
